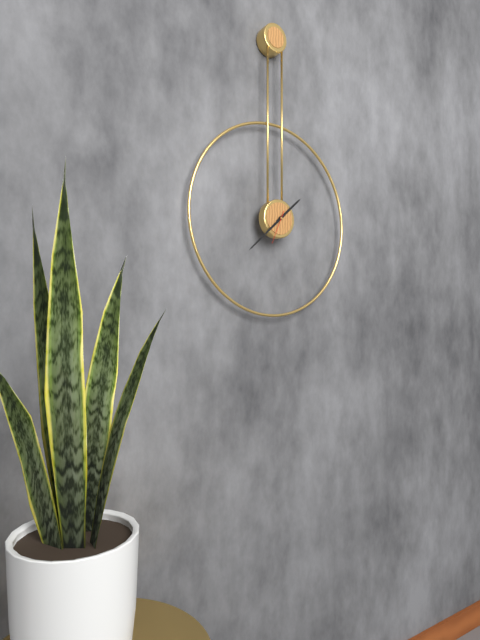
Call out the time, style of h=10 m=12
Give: h=1 m=38
